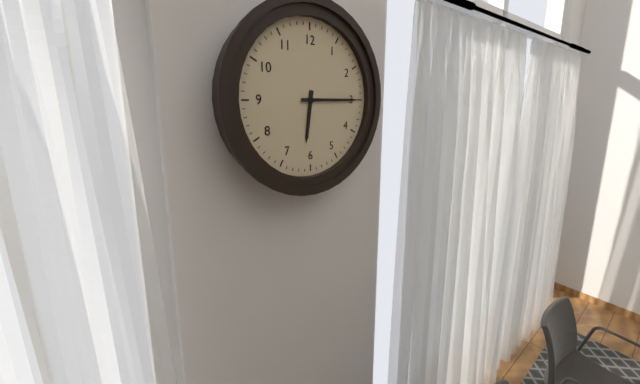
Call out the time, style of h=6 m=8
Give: h=6 m=15
